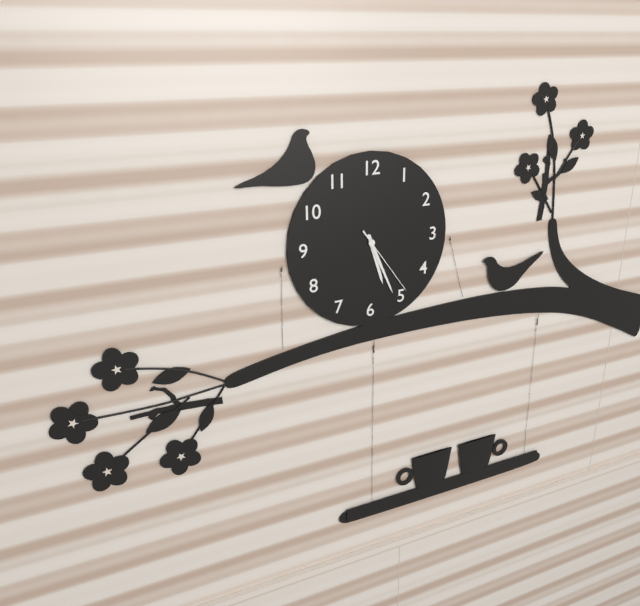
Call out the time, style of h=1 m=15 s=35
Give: h=5 m=26 s=24
